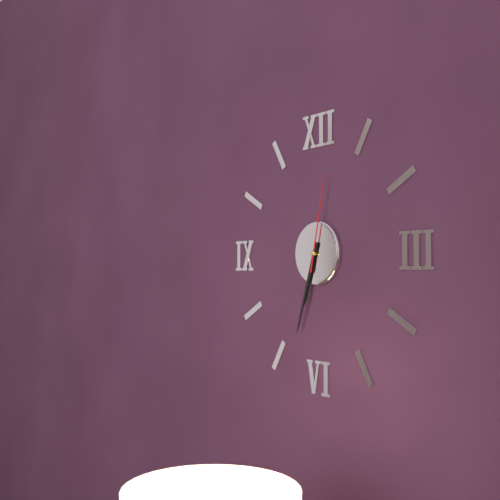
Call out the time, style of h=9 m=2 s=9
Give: h=6 m=33 s=2
